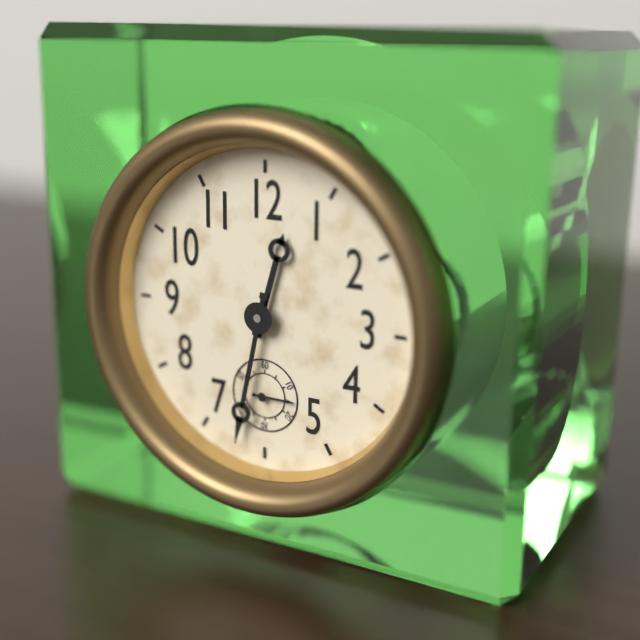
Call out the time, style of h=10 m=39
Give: h=12 m=32
